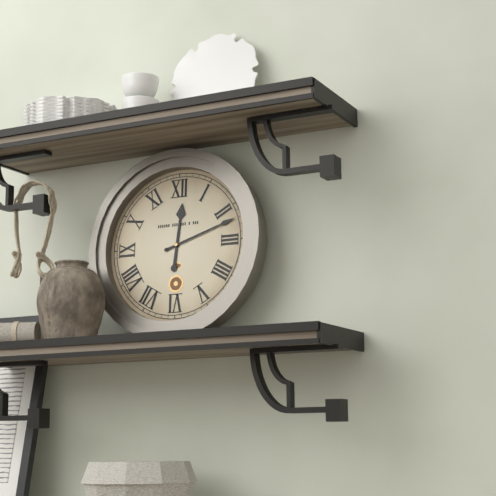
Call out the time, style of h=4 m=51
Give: h=12 m=12
